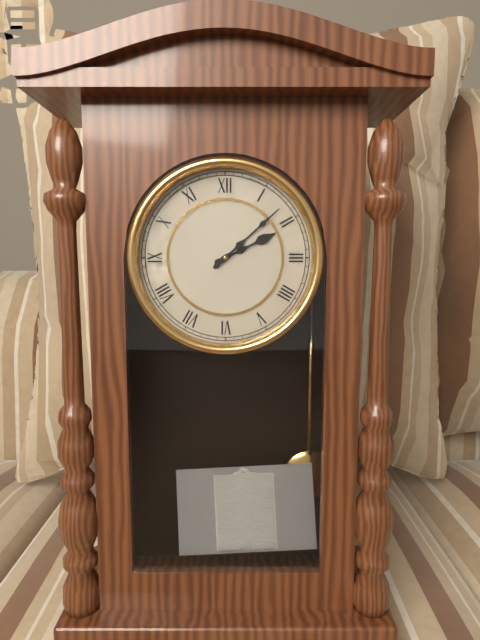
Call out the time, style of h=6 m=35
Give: h=2 m=8
